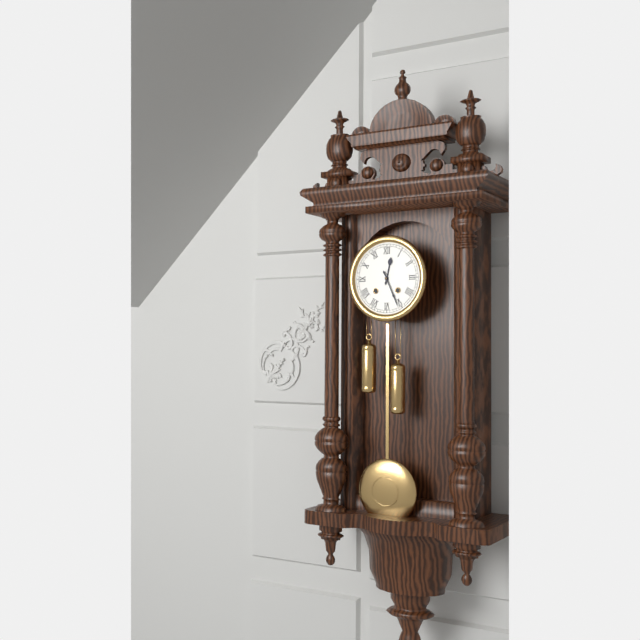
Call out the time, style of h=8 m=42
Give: h=12 m=26
